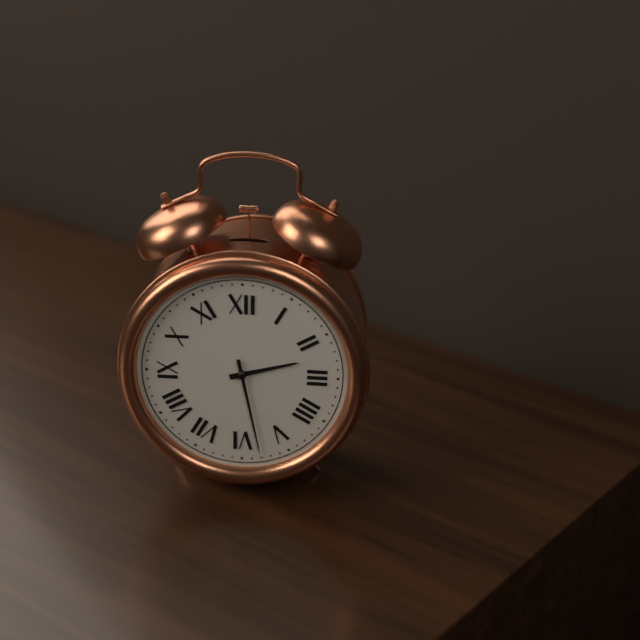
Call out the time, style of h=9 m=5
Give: h=2 m=28
